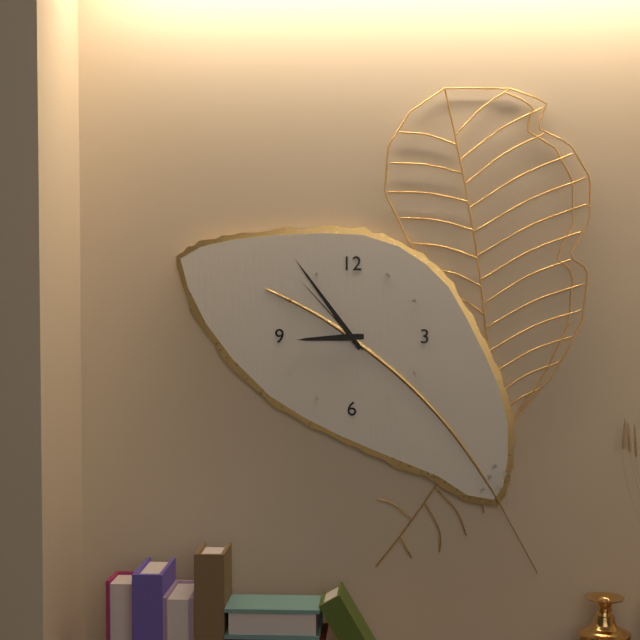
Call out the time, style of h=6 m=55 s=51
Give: h=8 m=54 s=53
